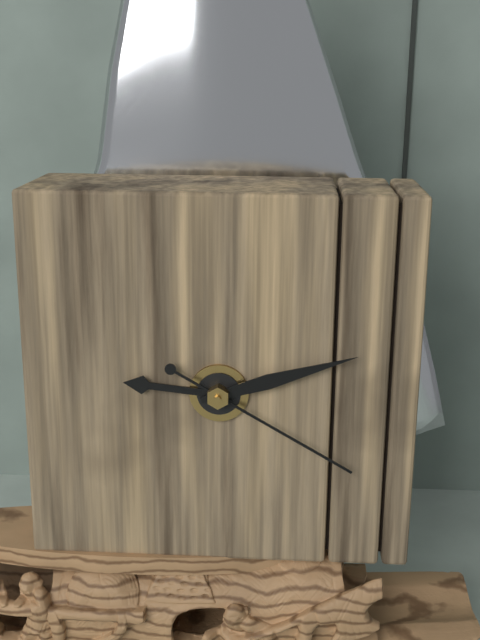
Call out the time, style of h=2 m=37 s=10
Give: h=9 m=12 s=20
